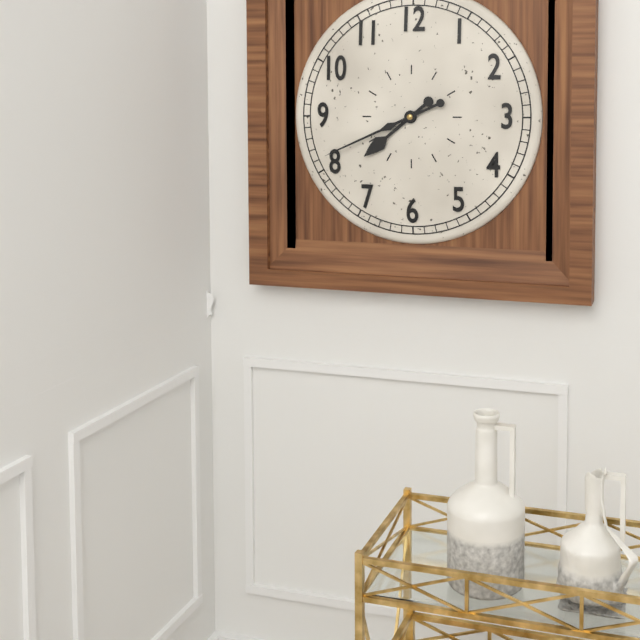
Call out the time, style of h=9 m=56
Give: h=7 m=41
